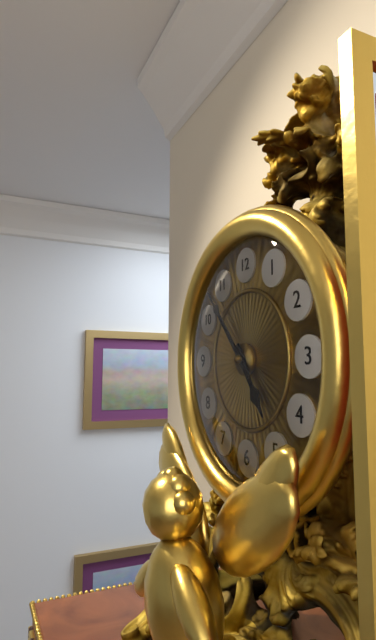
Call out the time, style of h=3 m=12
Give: h=4 m=53
